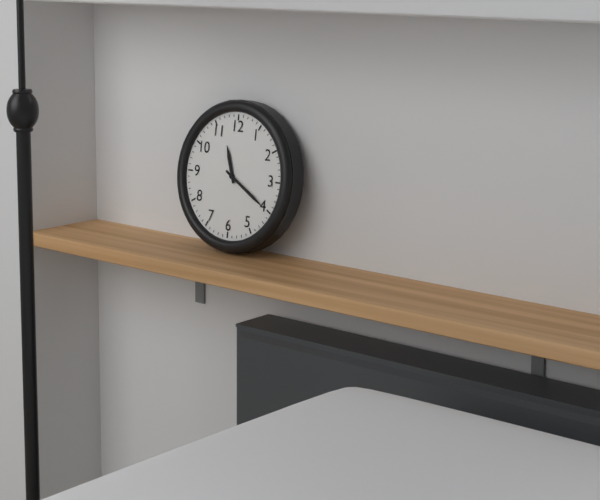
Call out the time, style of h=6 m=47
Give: h=11 m=20
